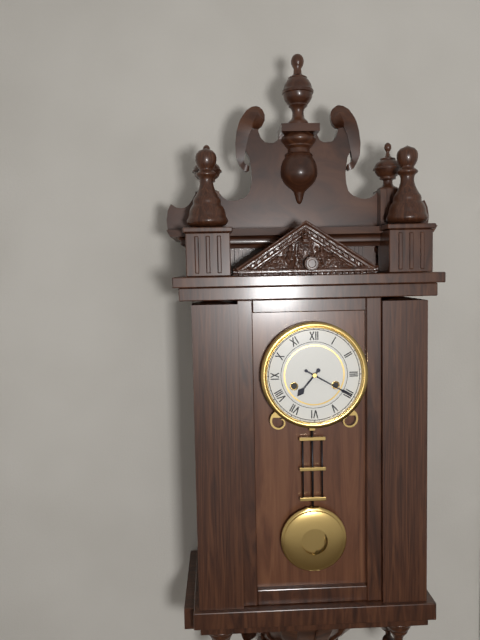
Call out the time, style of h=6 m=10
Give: h=7 m=20
